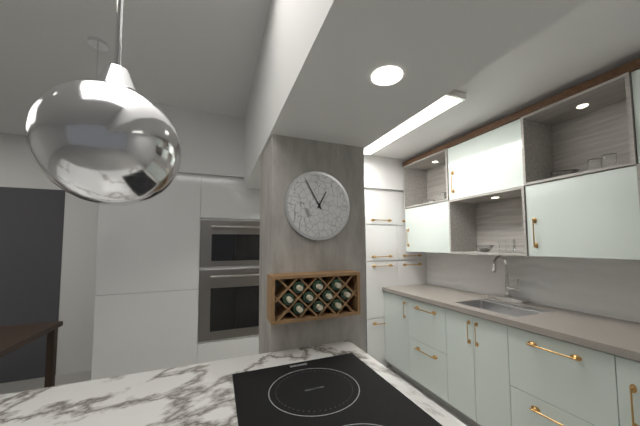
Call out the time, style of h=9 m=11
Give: h=12 m=55
